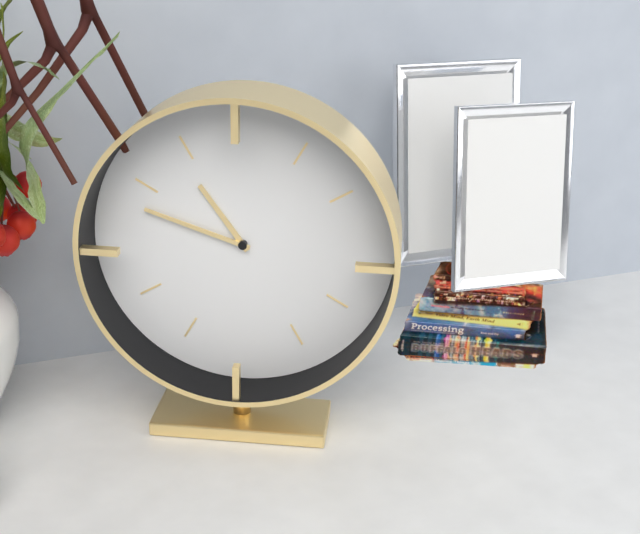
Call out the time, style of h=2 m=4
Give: h=10 m=48
